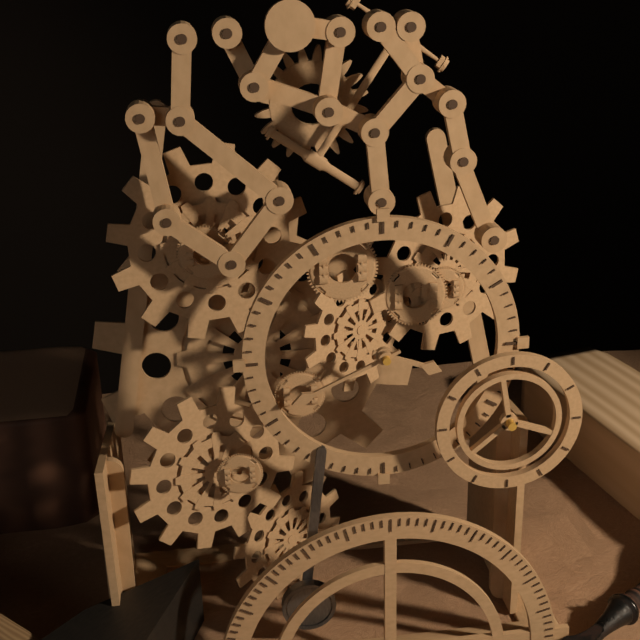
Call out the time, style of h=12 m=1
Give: h=3 m=41
